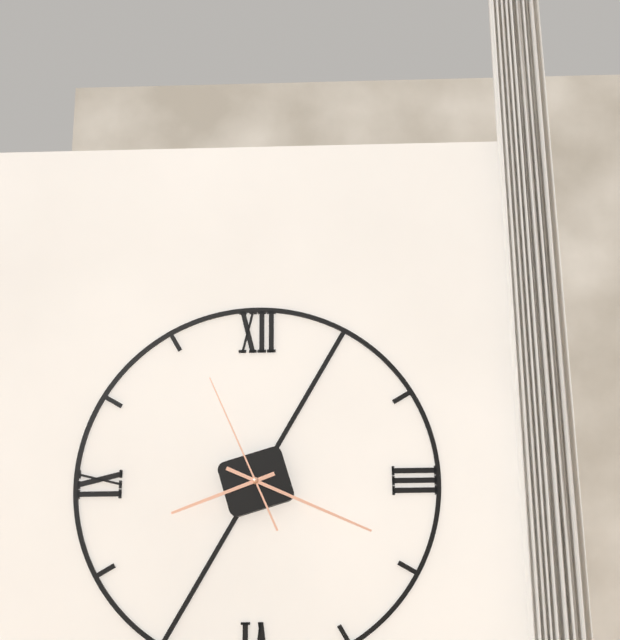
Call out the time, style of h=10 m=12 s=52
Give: h=8 m=19 s=56
